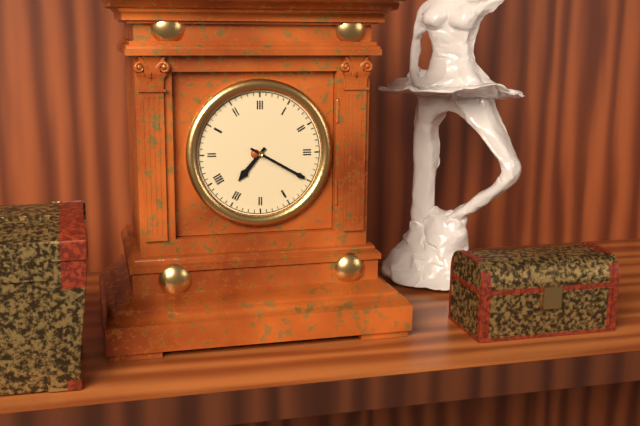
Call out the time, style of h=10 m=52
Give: h=7 m=20
